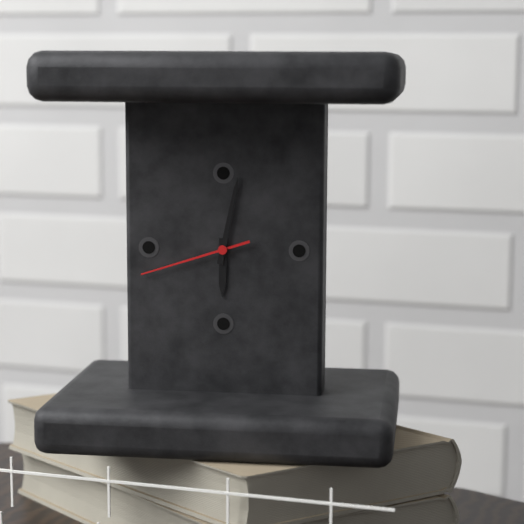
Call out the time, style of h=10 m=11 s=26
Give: h=6 m=2 s=42
